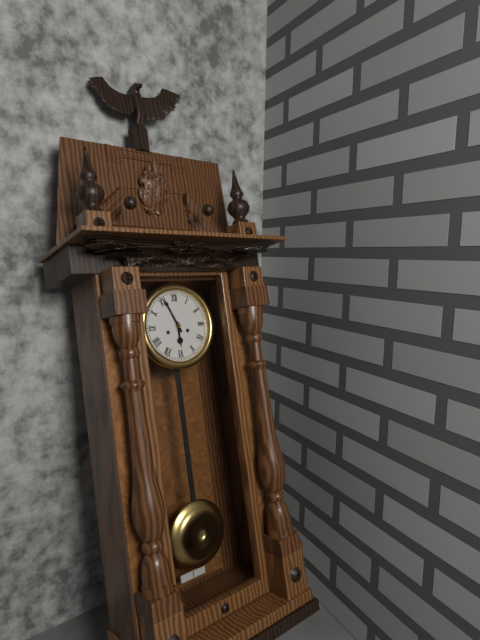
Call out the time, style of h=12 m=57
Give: h=5 m=56
